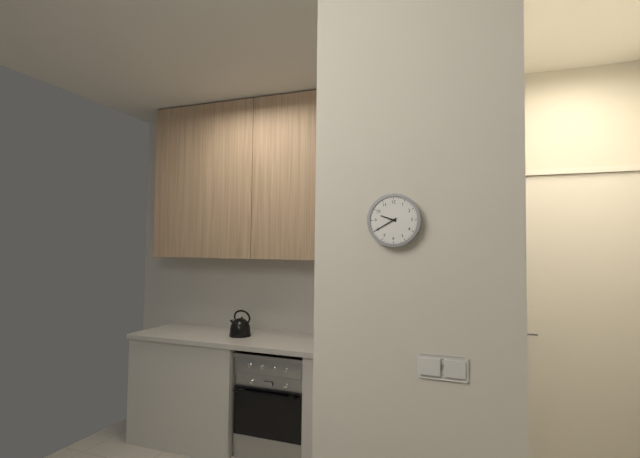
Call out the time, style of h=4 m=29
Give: h=9 m=40
